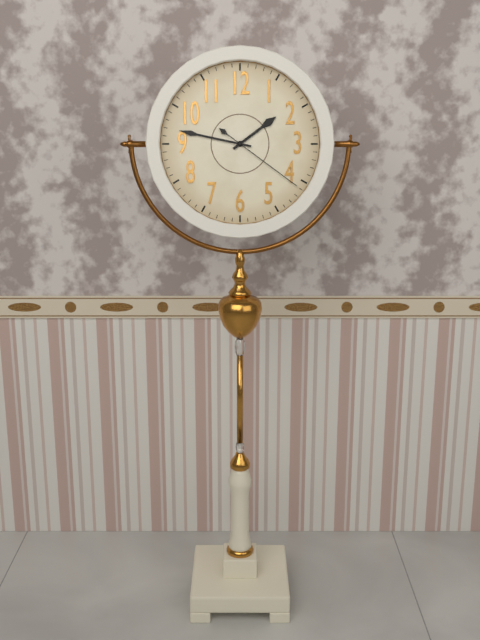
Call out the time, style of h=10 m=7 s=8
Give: h=1 m=47 s=21
